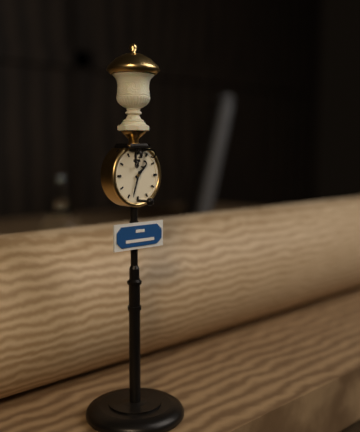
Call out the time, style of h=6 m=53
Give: h=1 m=33
